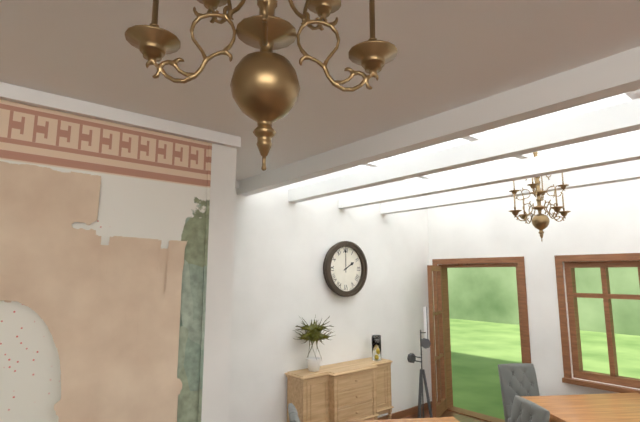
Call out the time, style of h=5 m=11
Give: h=2 m=0
